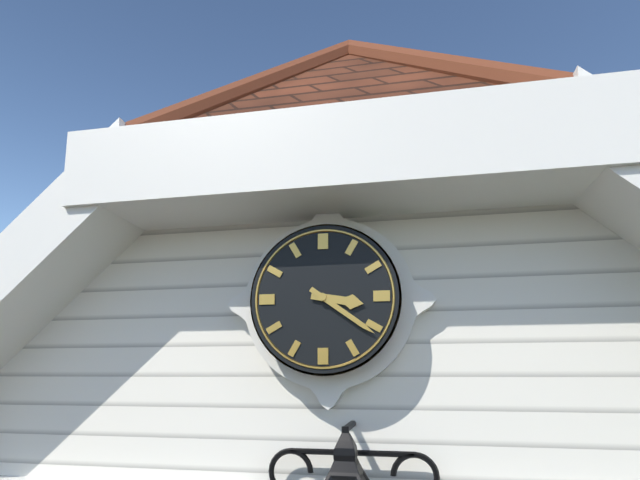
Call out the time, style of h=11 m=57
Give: h=3 m=21
